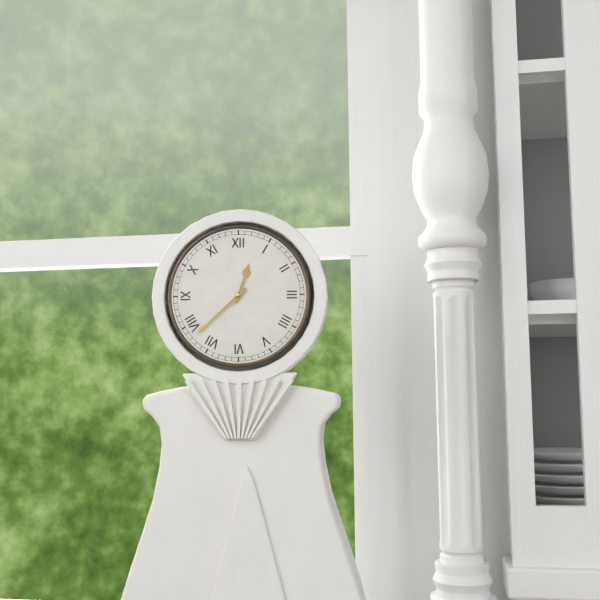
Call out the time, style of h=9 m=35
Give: h=12 m=38
